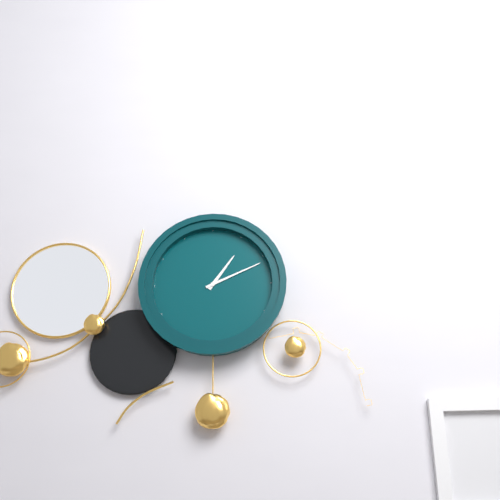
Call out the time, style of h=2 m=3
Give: h=1 m=11
